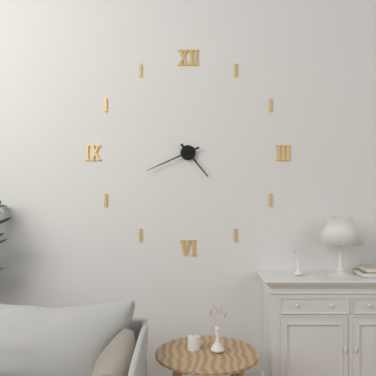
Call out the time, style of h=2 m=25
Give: h=4 m=41
